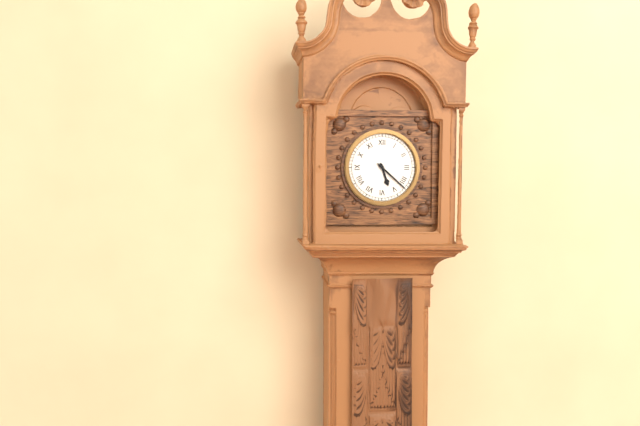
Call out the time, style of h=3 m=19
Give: h=5 m=22
